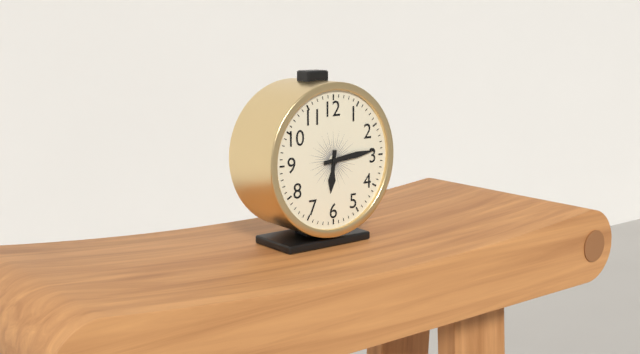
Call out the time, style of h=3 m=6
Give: h=6 m=14
